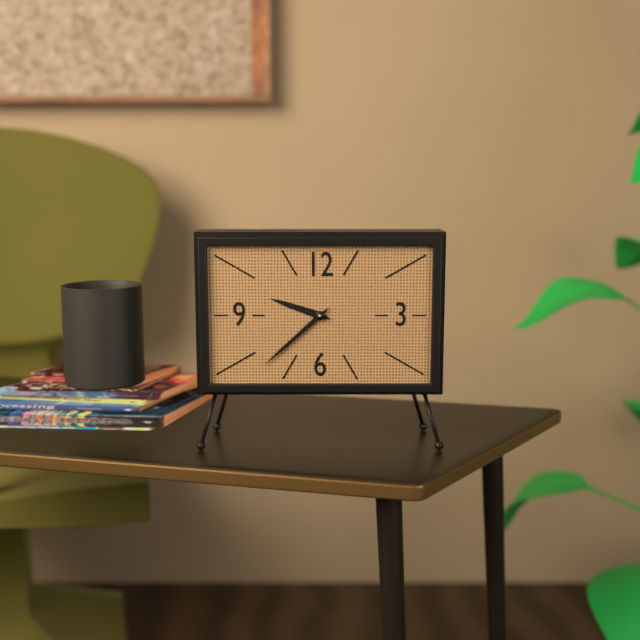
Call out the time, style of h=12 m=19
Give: h=9 m=38
